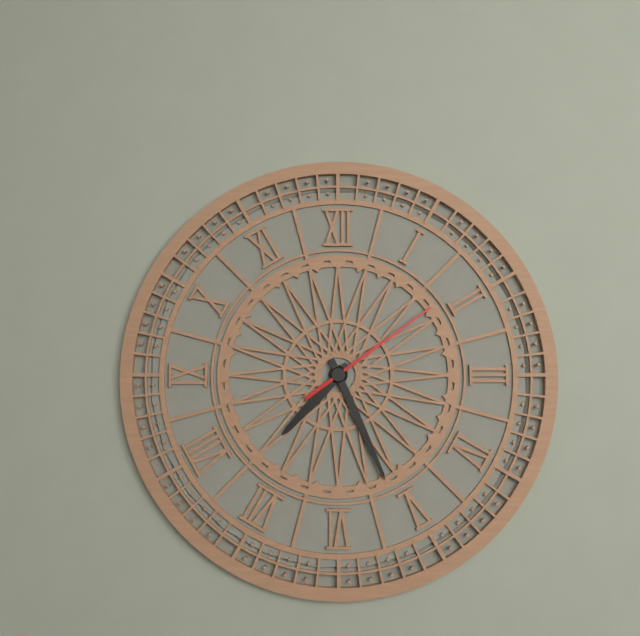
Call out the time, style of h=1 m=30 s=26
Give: h=7 m=26 s=9
